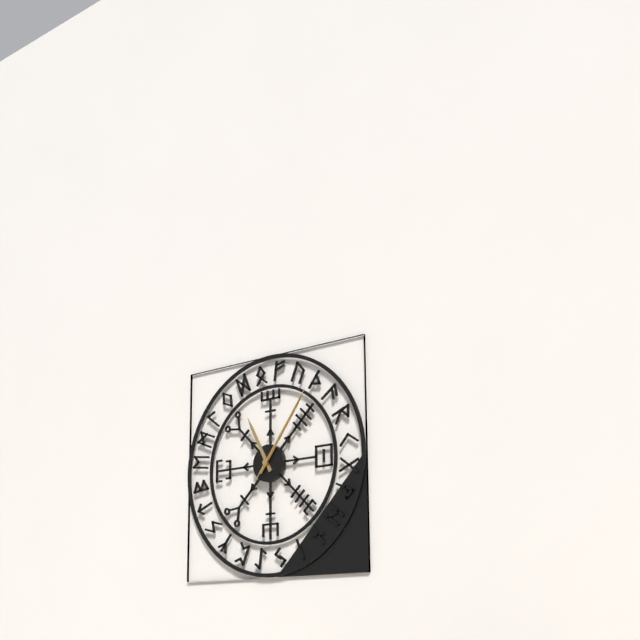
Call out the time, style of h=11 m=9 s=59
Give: h=11 m=6 s=6
